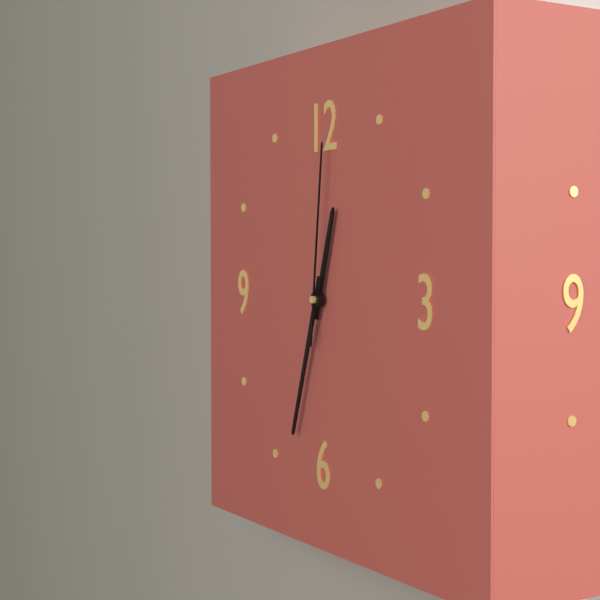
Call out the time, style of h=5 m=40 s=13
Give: h=12 m=33 s=1
